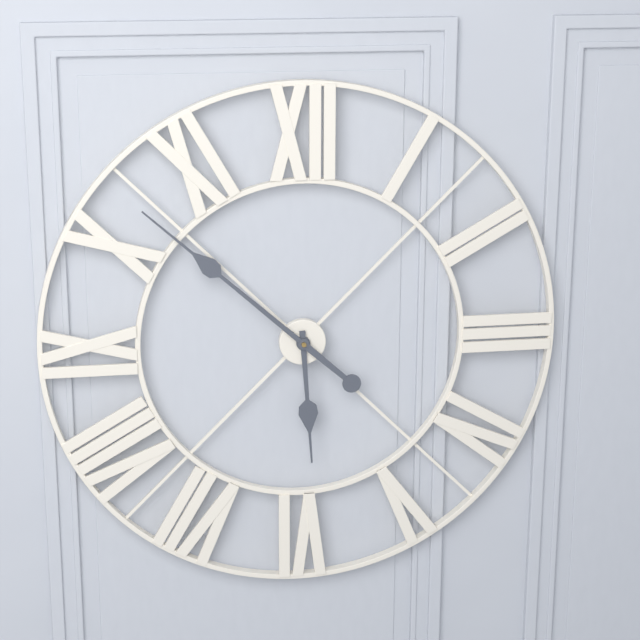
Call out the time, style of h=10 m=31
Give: h=5 m=52
